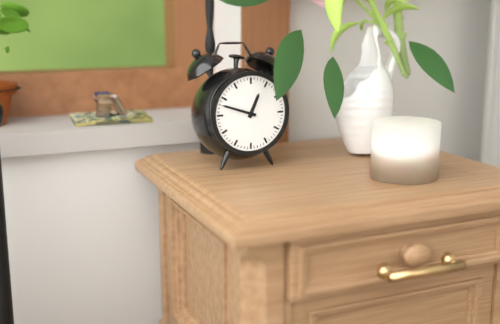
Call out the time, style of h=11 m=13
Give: h=12 m=48
